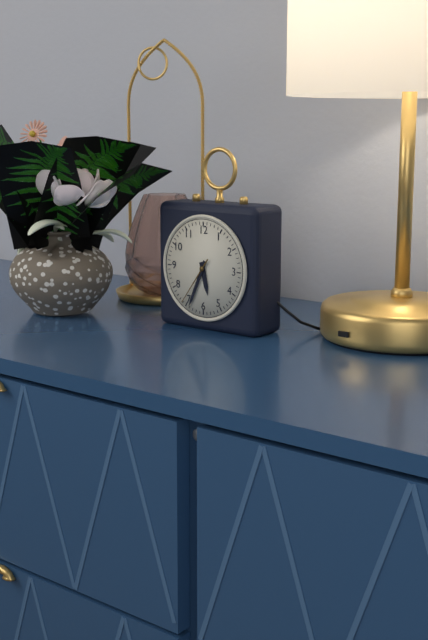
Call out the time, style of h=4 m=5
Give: h=5 m=34
